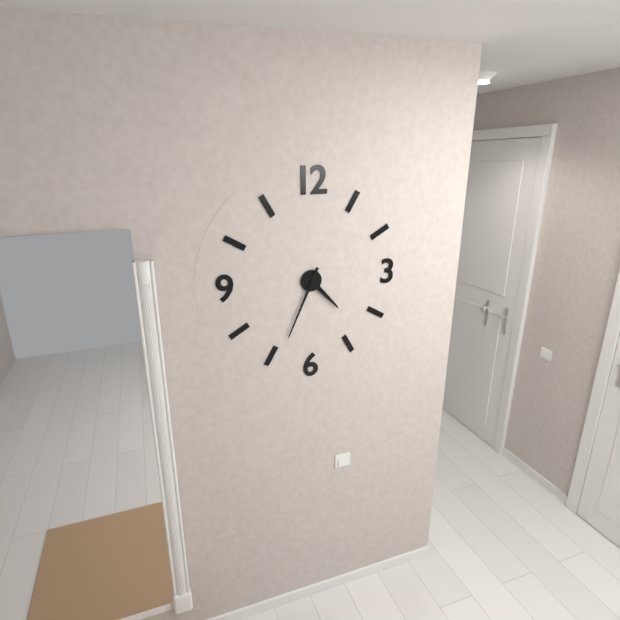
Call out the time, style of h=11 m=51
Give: h=4 m=34
